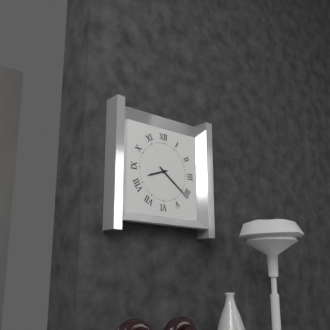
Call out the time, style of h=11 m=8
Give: h=8 m=21
